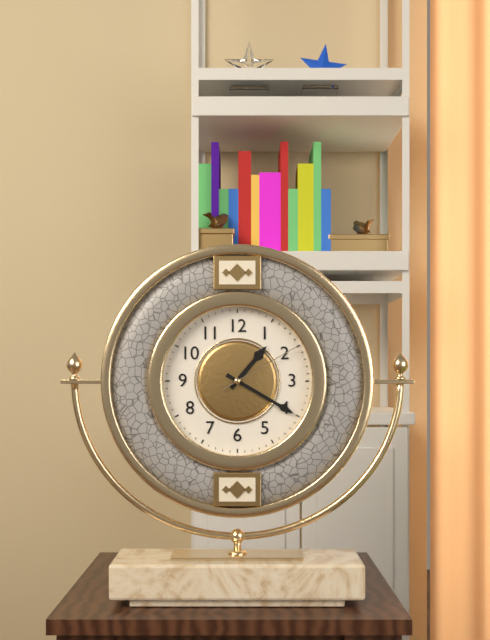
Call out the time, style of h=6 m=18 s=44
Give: h=1 m=20 s=10
